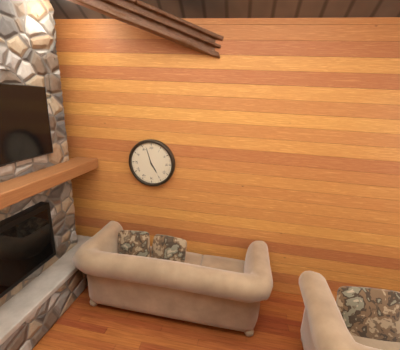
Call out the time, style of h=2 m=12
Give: h=4 m=57
